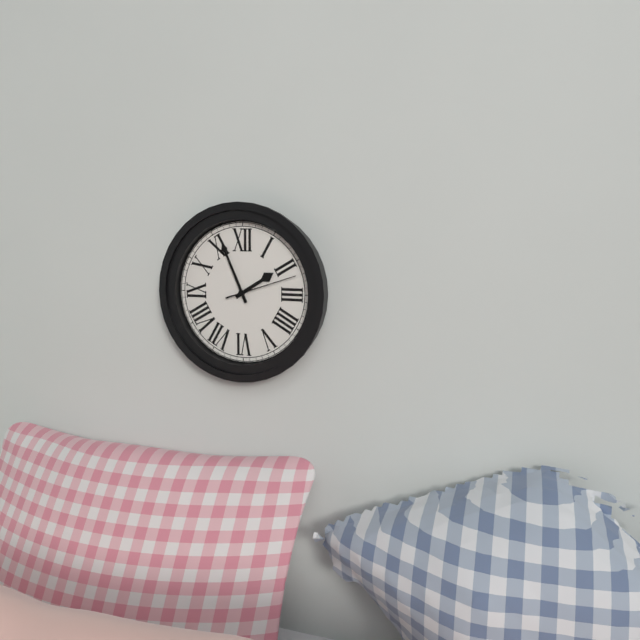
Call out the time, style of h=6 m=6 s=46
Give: h=1 m=56 s=12
